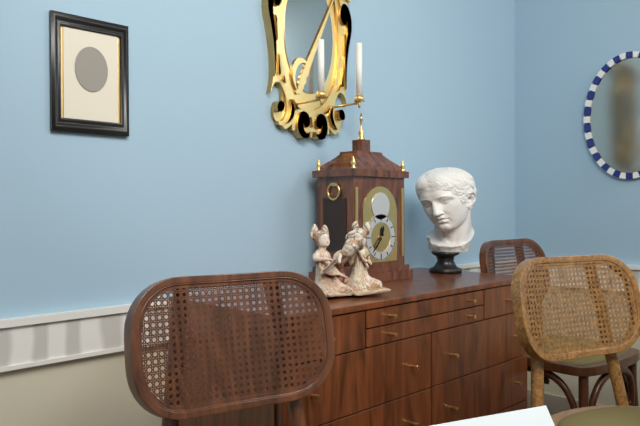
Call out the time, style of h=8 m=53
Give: h=12 m=37
